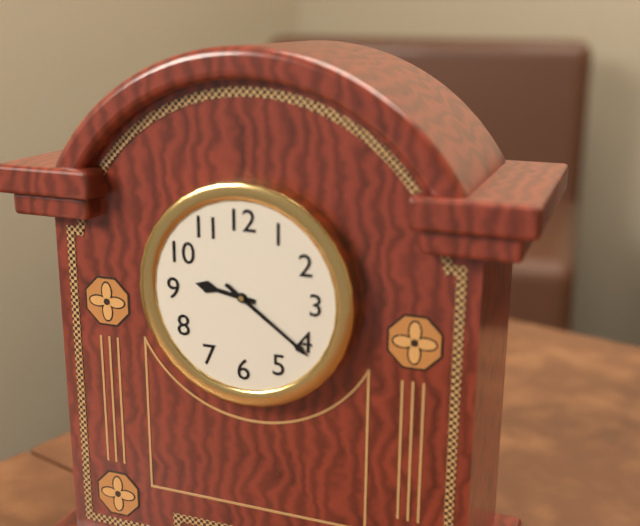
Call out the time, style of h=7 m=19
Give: h=9 m=21
